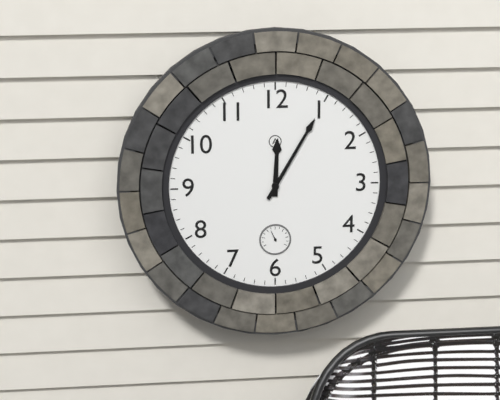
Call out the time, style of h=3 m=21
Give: h=12 m=5
